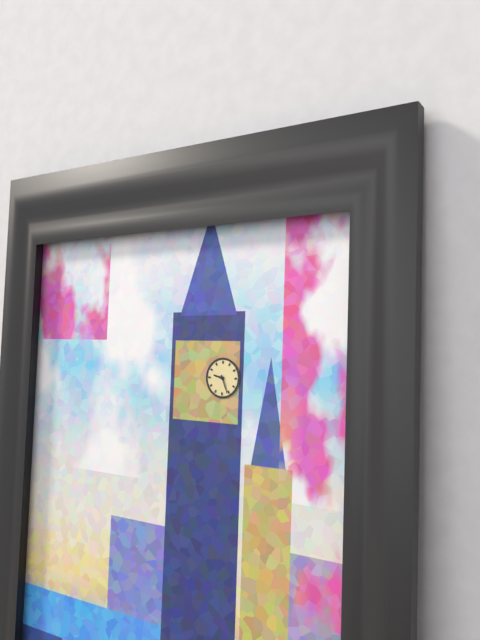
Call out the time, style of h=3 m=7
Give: h=9 m=26
